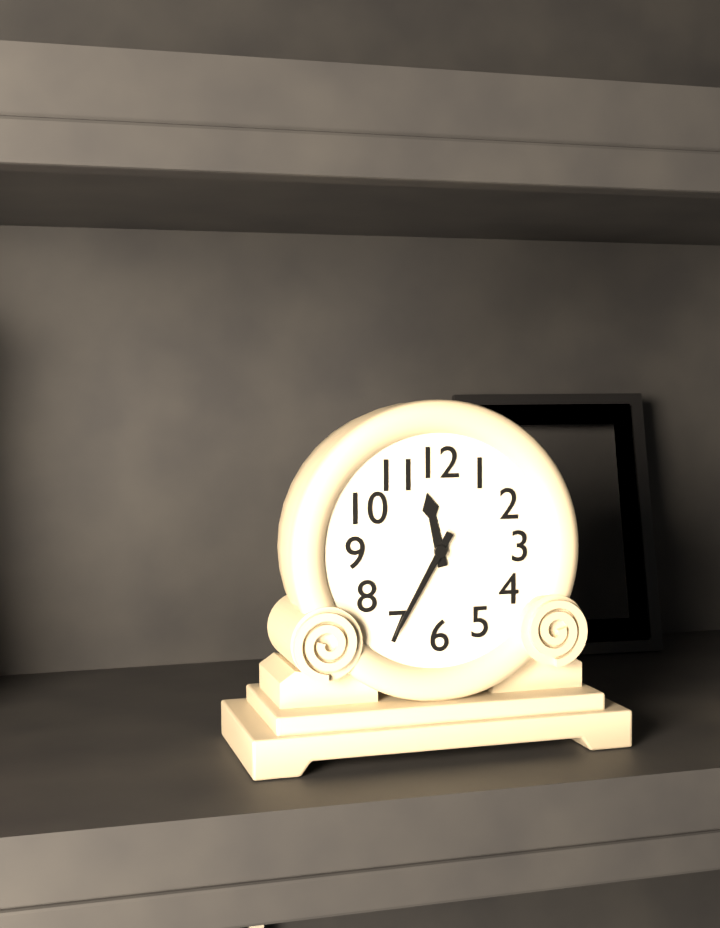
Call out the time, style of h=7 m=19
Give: h=11 m=35
